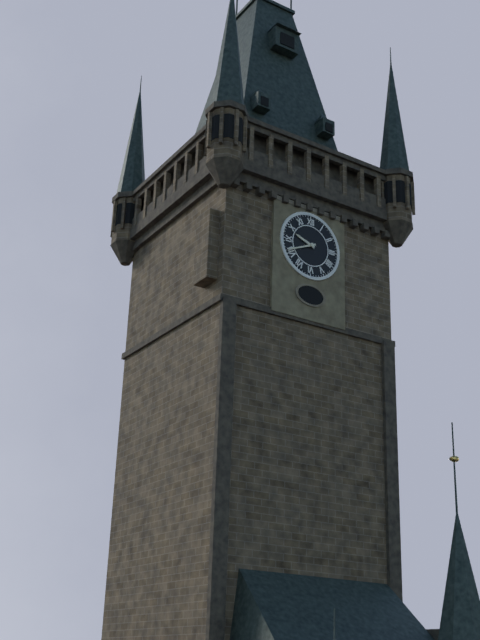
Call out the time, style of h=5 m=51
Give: h=9 m=41
